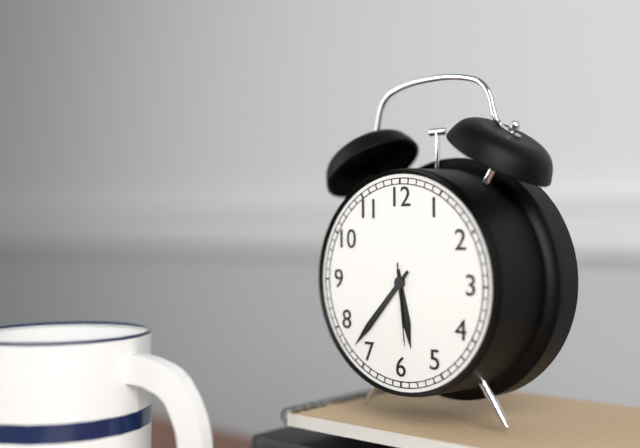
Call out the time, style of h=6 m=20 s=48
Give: h=5 m=37 s=29
